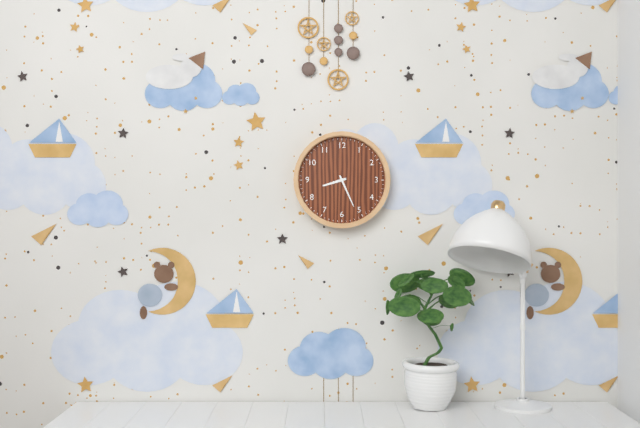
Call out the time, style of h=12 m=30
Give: h=8 m=26
